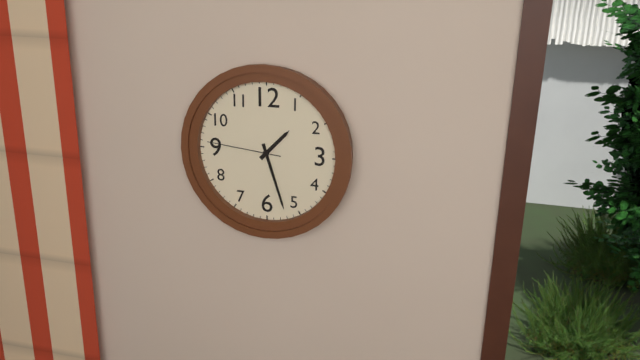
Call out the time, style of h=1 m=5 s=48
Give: h=1 m=27 s=46
